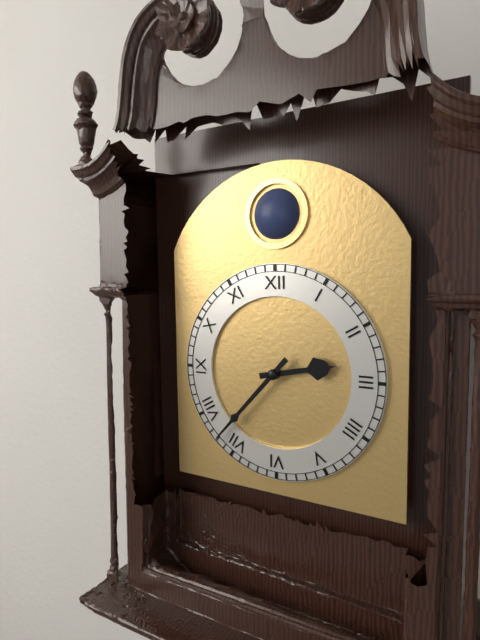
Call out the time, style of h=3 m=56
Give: h=2 m=37
